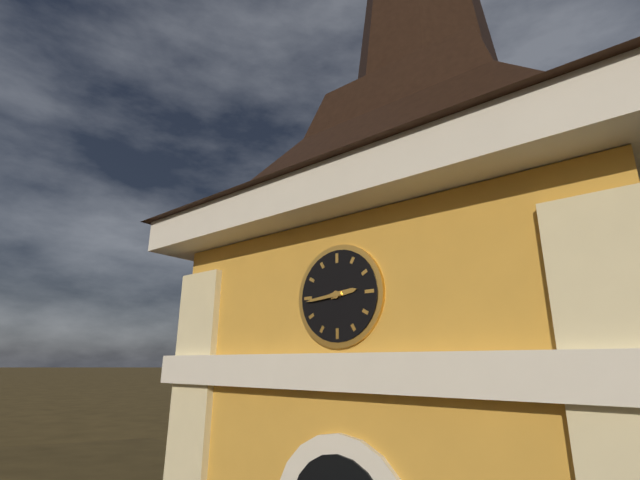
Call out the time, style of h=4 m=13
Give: h=2 m=44
